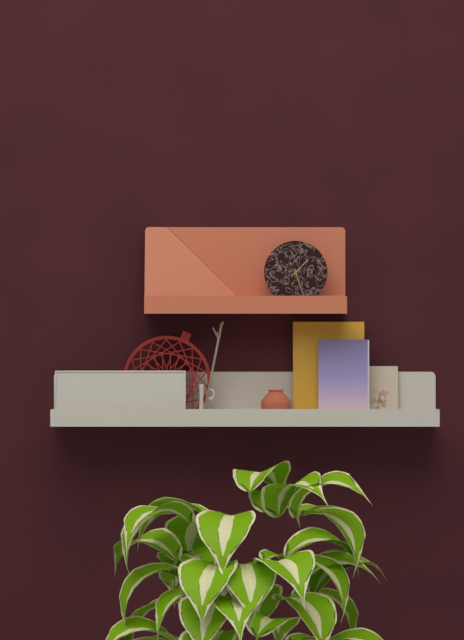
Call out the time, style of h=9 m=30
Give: h=1 m=27
